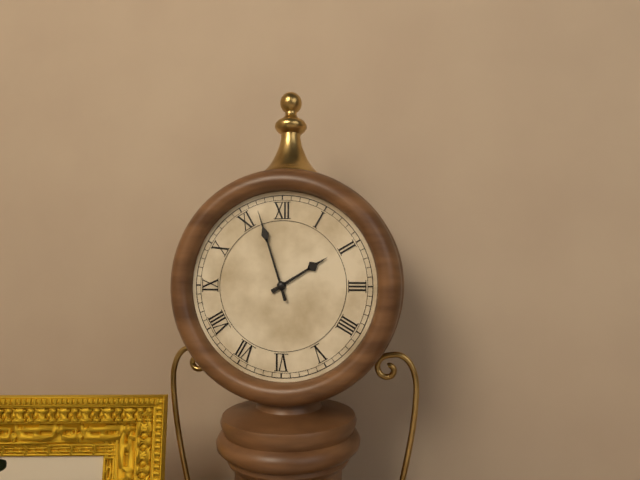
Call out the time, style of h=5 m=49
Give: h=1 m=57
